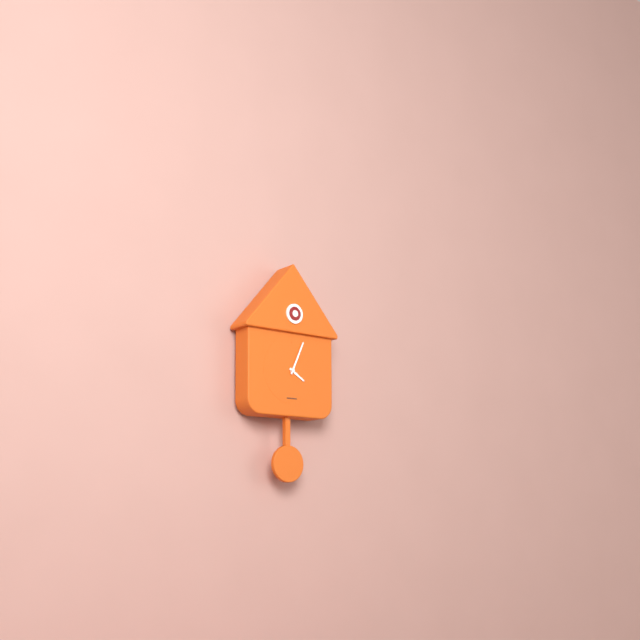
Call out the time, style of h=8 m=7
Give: h=4 m=4
